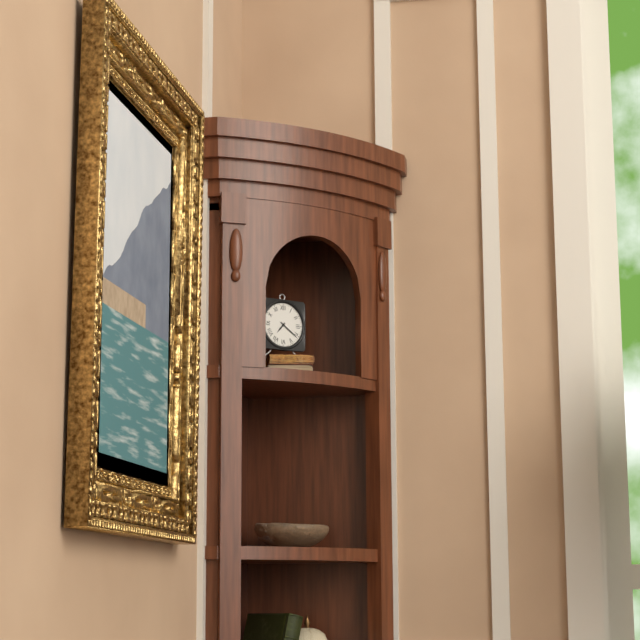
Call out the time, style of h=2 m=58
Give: h=7 m=21
